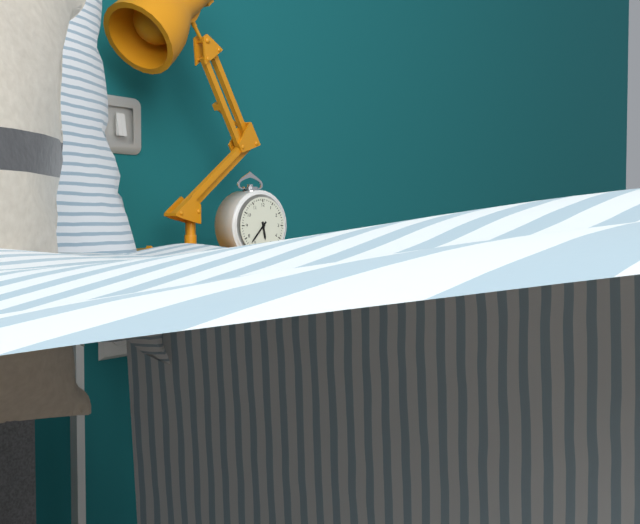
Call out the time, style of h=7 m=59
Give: h=5 m=37
